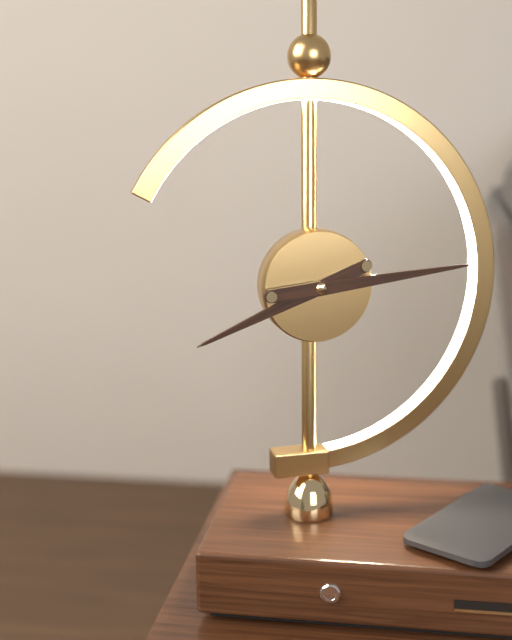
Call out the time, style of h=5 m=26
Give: h=8 m=14
